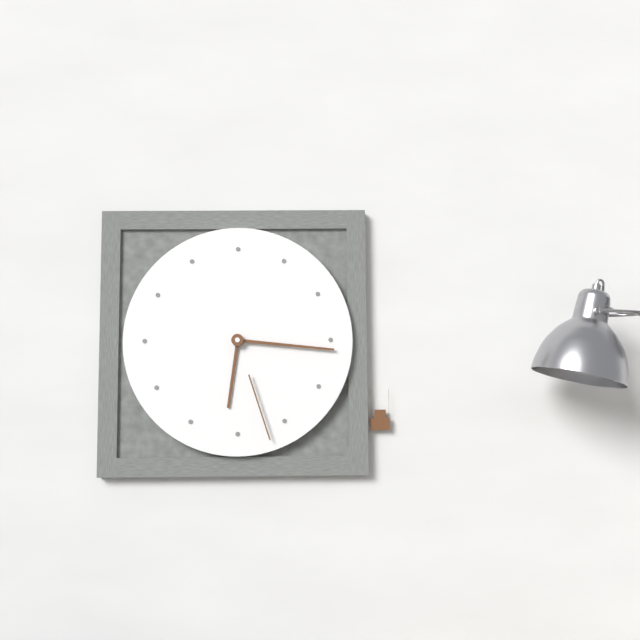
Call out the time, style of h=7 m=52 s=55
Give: h=6 m=16 s=27
